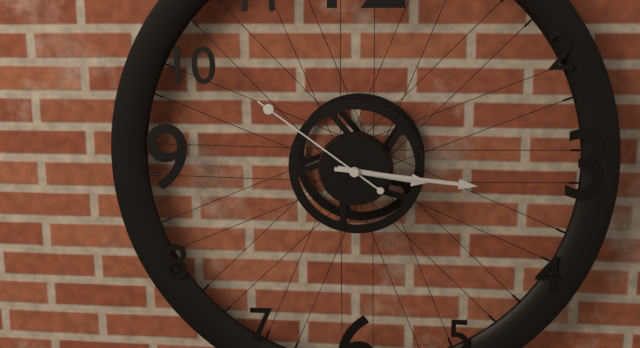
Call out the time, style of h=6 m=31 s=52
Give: h=3 m=16 s=51
